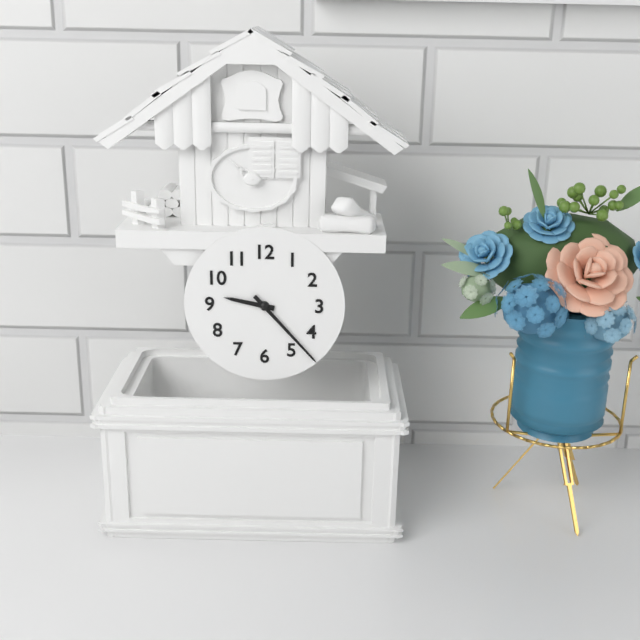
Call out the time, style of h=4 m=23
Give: h=9 m=23
